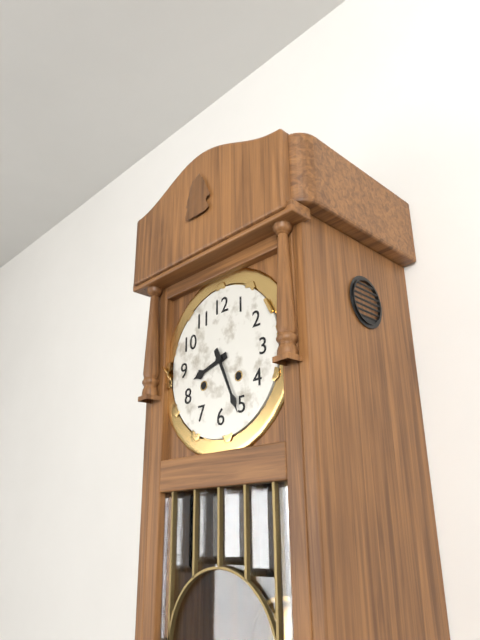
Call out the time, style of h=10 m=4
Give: h=8 m=26
